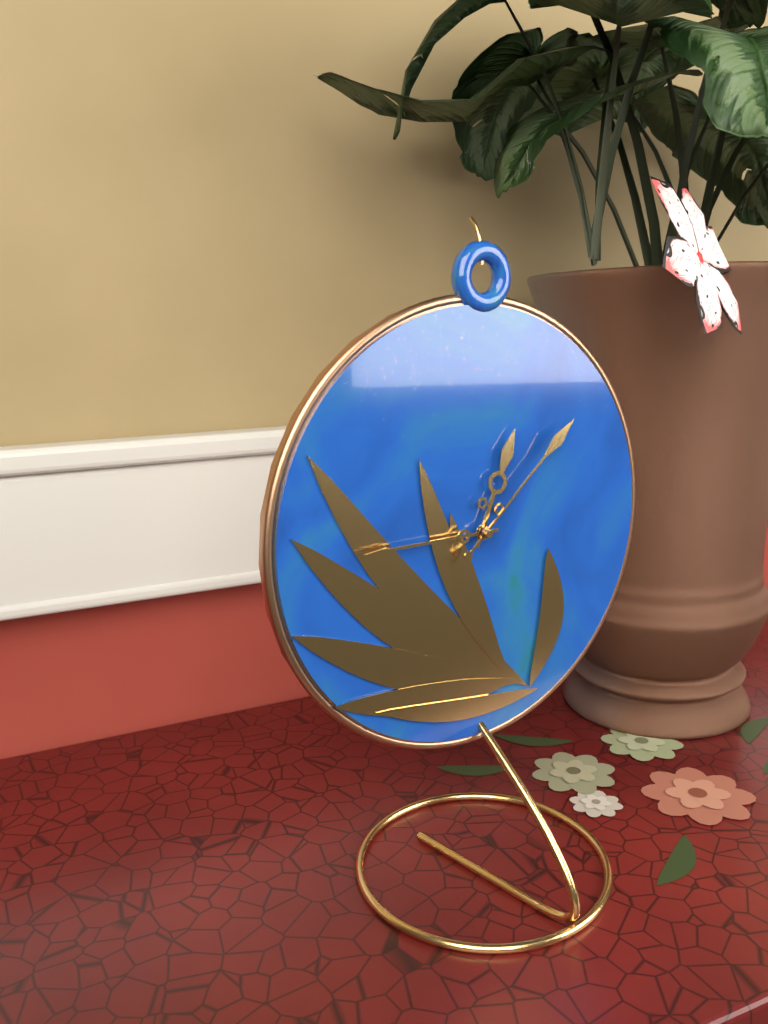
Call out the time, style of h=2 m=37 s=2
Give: h=12 m=45 s=8
